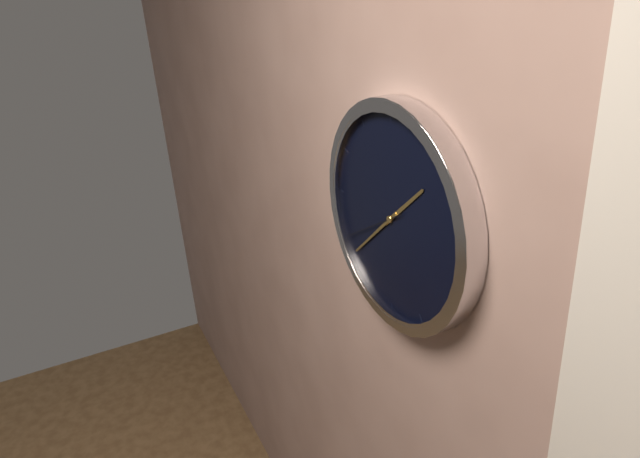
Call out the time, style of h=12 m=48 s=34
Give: h=1 m=38 s=40
